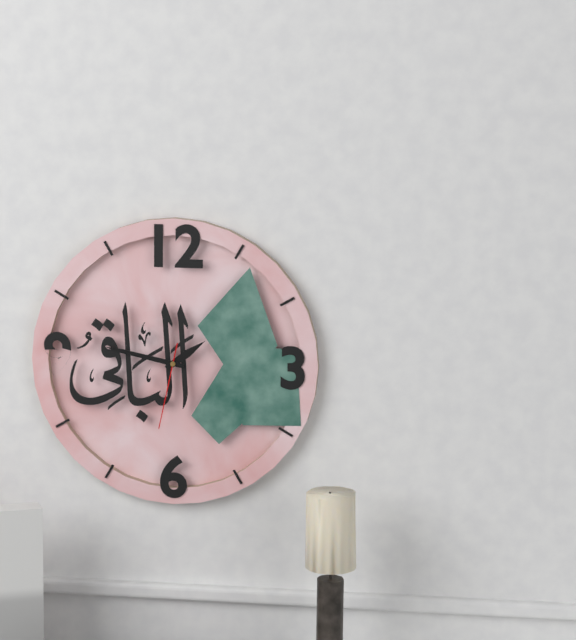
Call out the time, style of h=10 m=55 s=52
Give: h=1 m=47 s=32
